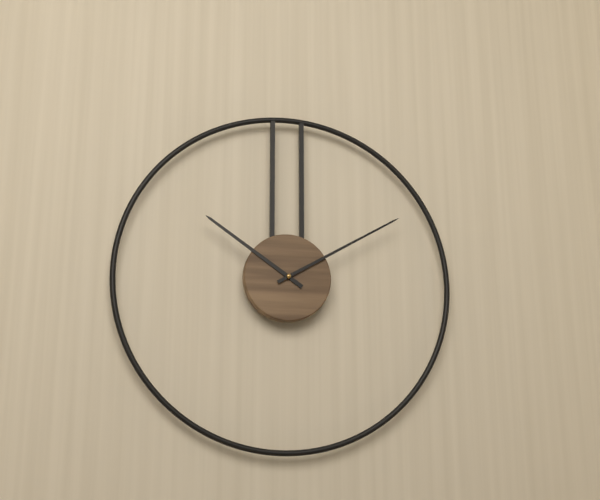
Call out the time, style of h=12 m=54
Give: h=10 m=10
